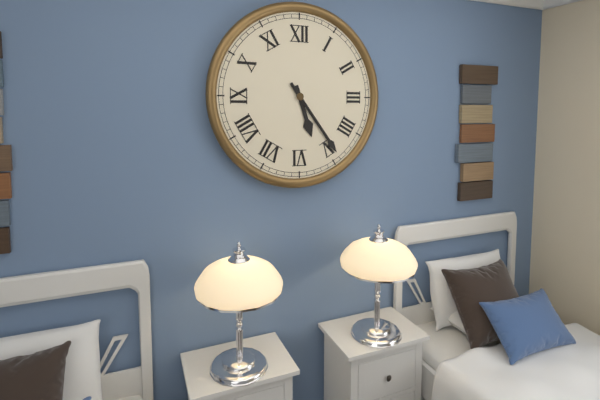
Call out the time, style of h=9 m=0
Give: h=5 m=24
